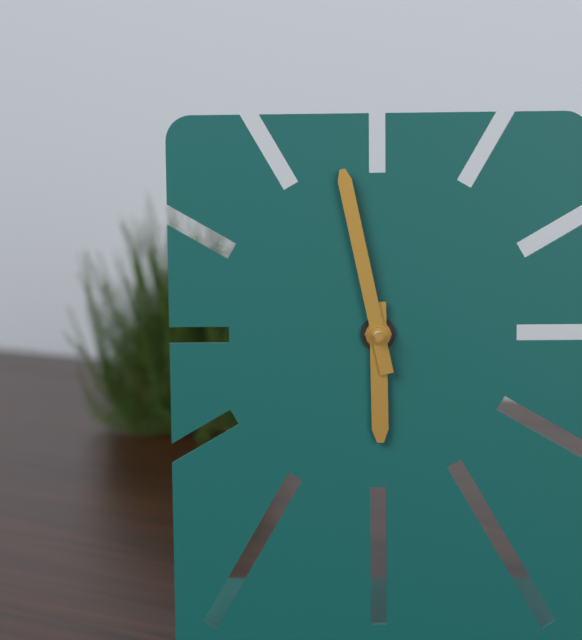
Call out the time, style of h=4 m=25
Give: h=5 m=58
